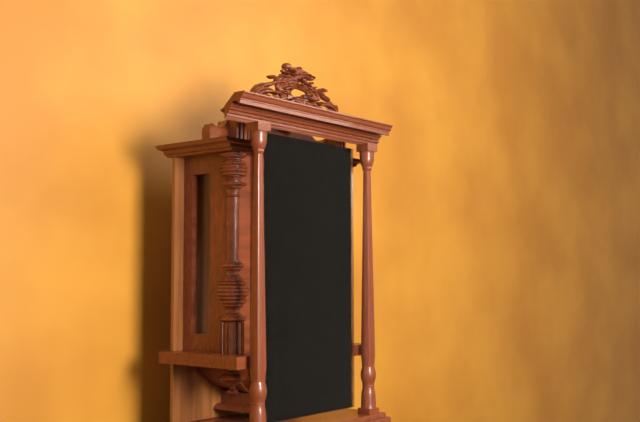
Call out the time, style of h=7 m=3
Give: h=12 m=5
